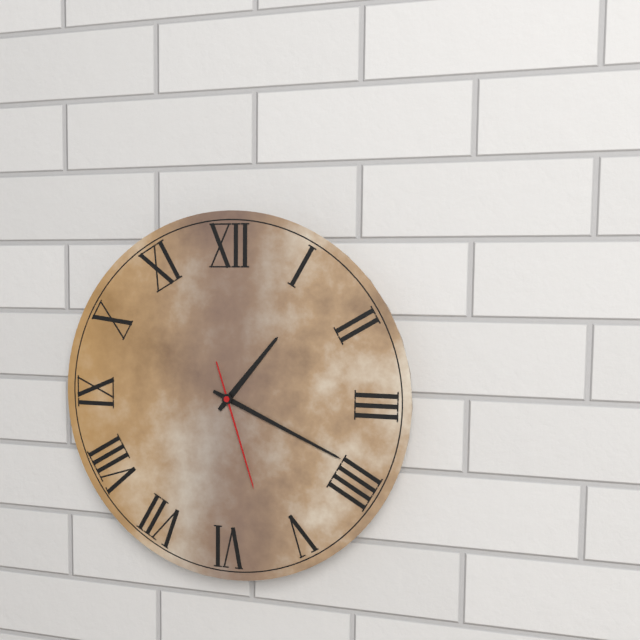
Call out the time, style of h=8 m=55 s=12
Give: h=1 m=19 s=27
